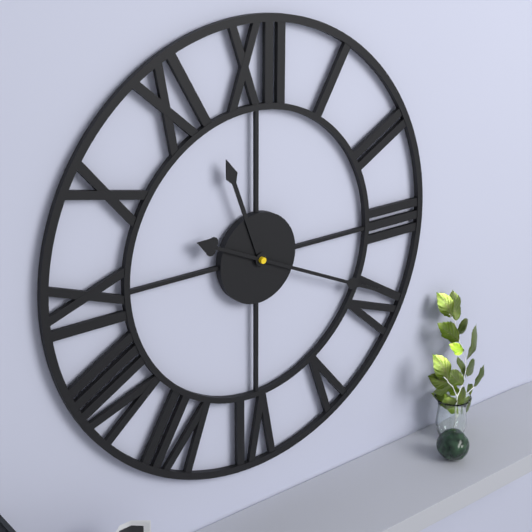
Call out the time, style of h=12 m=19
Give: h=11 m=19
